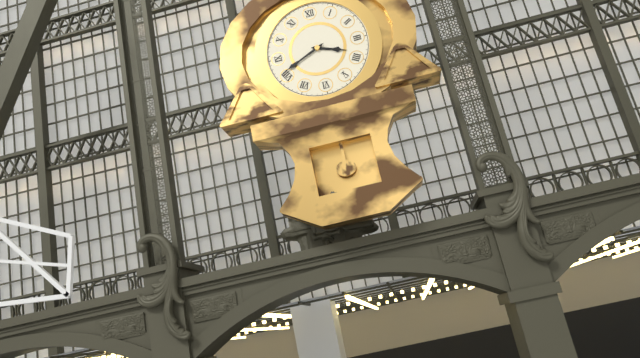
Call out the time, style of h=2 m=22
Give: h=3 m=41
